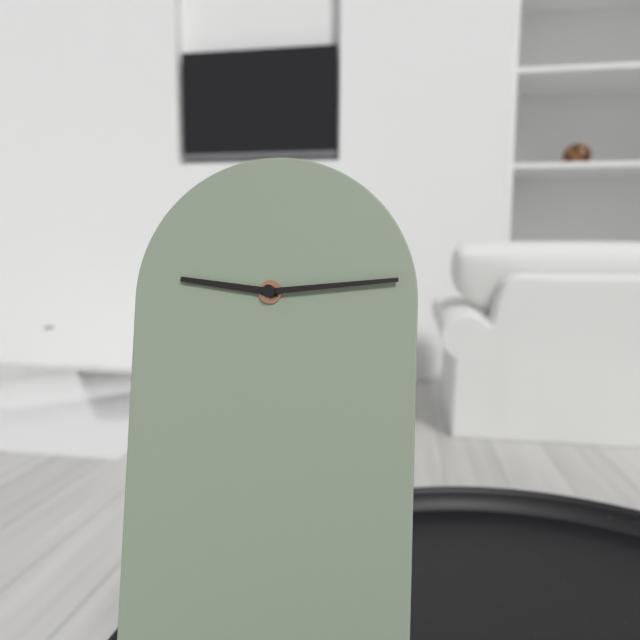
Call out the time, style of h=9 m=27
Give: h=9 m=14
